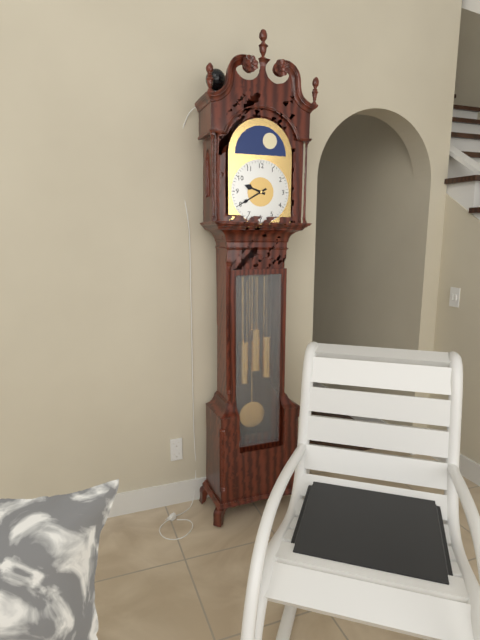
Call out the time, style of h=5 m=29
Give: h=9 m=40
